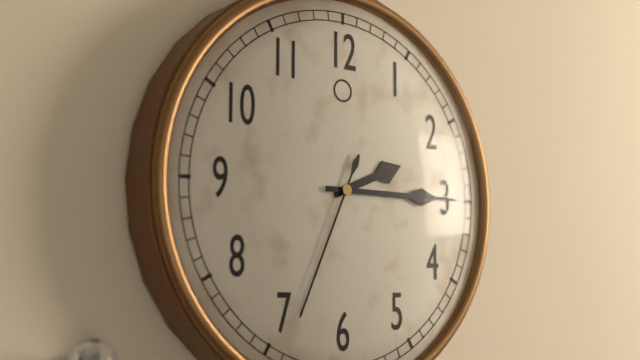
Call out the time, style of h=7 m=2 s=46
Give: h=2 m=15 s=34
